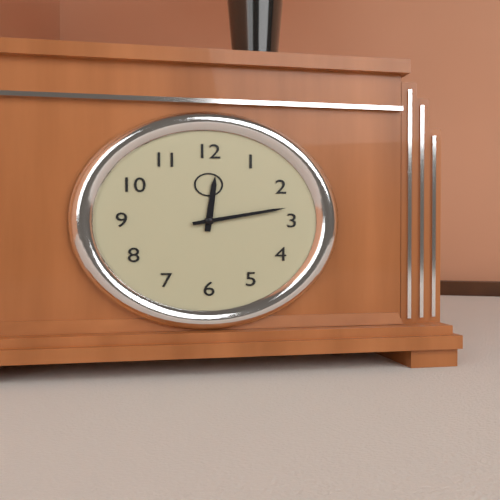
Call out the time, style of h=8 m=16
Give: h=12 m=13
